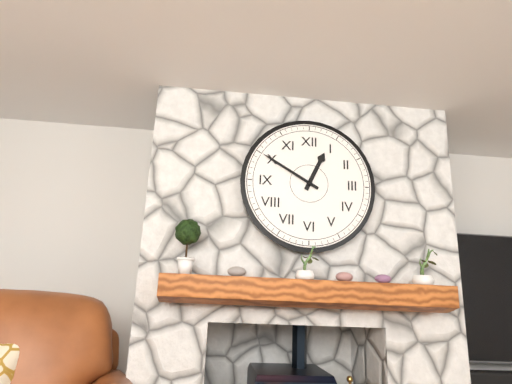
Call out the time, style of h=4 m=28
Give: h=12 m=50
